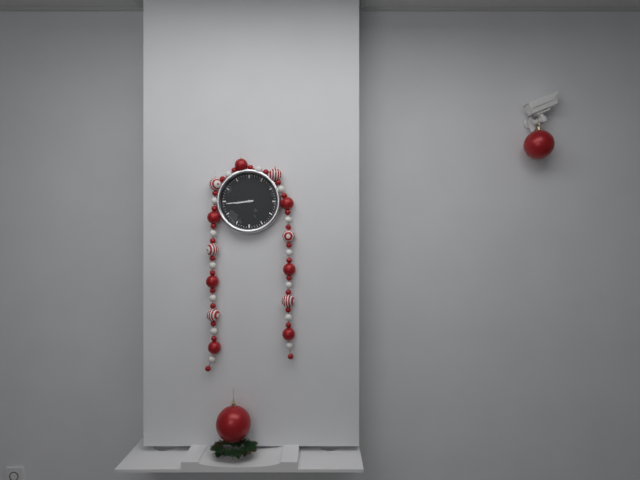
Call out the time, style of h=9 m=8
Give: h=8 m=44
